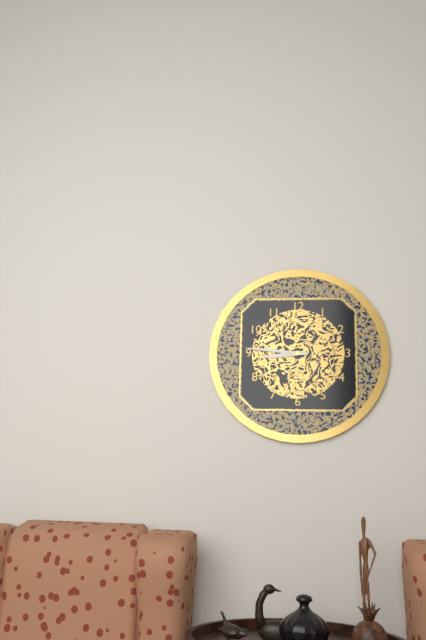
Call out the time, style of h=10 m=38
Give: h=8 m=46
